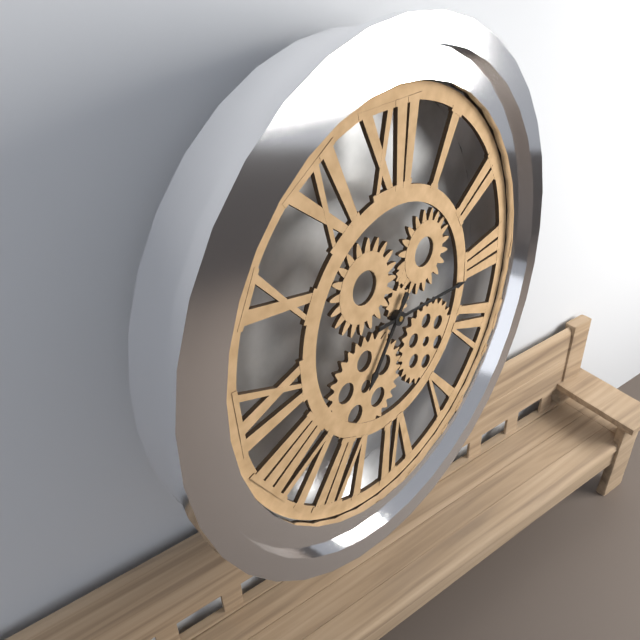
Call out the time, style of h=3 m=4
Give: h=7 m=16
